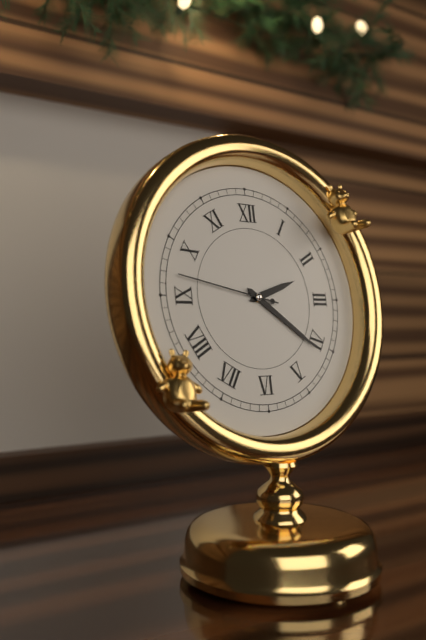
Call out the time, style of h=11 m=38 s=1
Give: h=2 m=21 s=47
